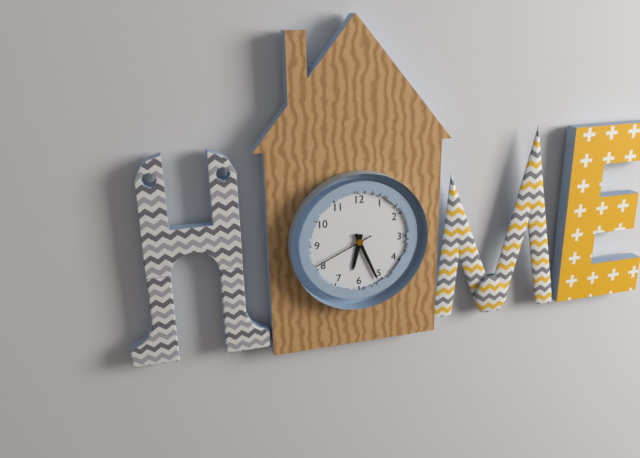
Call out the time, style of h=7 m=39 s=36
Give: h=6 m=26 s=41
